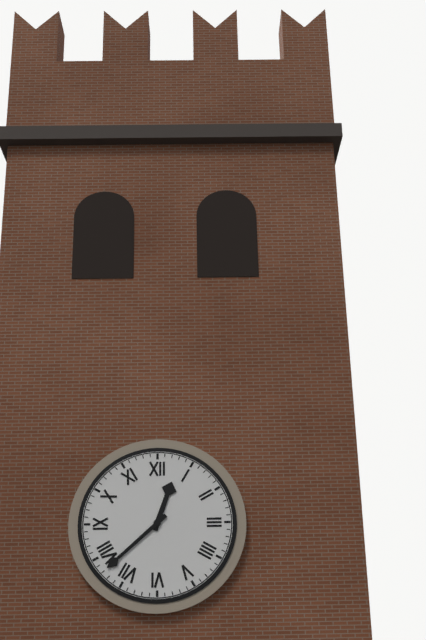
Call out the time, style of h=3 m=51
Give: h=12 m=38
